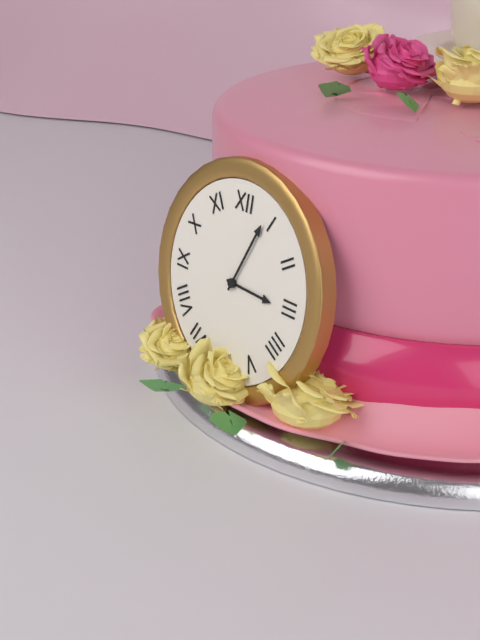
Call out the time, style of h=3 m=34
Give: h=3 m=4
